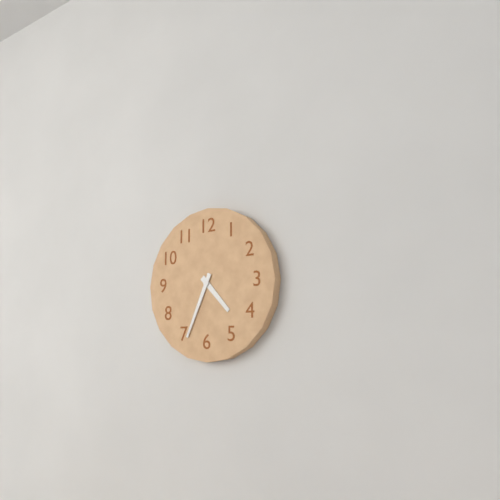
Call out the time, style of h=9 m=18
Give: h=4 m=34
